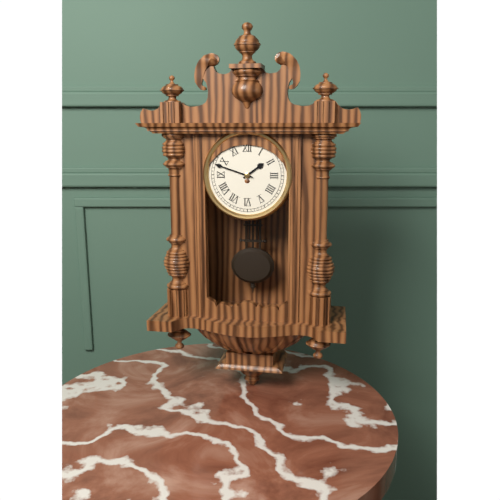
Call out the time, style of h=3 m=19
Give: h=1 m=48
